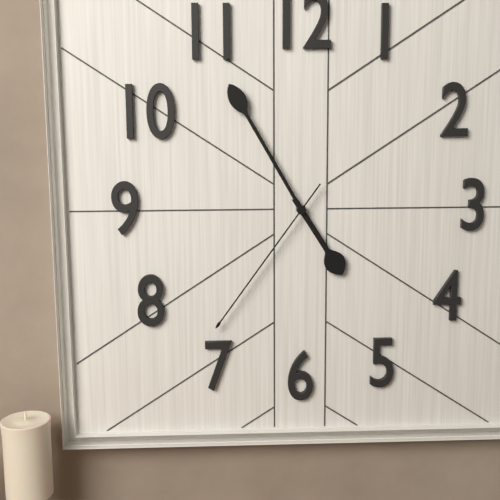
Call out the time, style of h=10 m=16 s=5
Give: h=4 m=55 s=36
